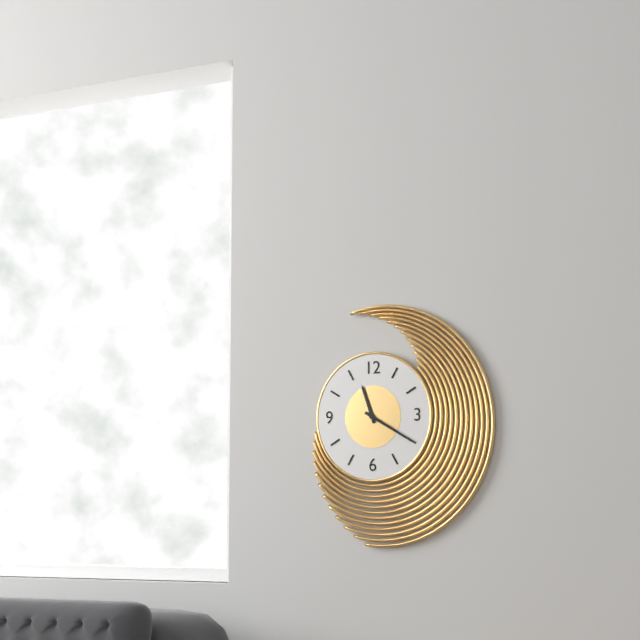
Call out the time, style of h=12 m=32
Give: h=11 m=20
